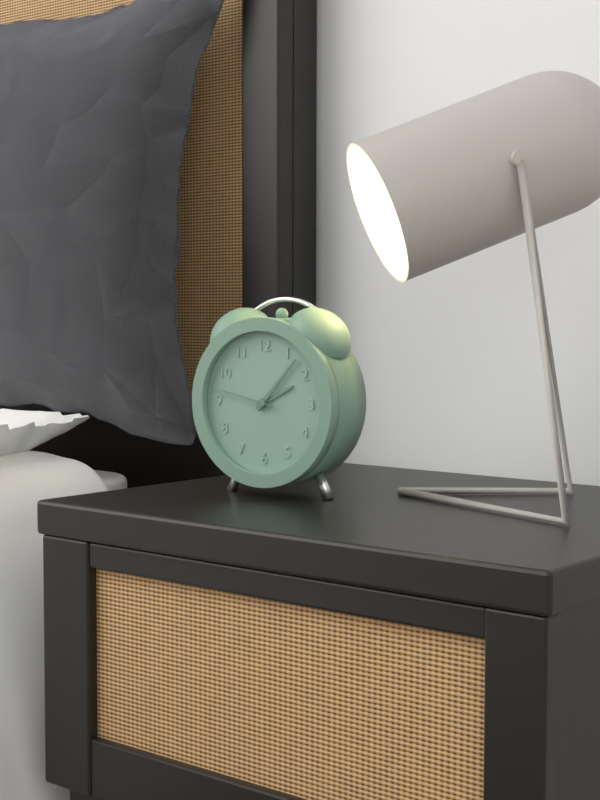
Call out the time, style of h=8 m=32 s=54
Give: h=2 m=7 s=47
